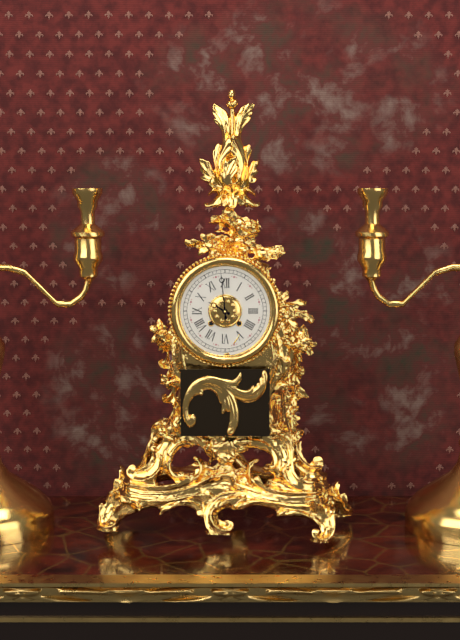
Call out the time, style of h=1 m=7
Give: h=9 m=59
